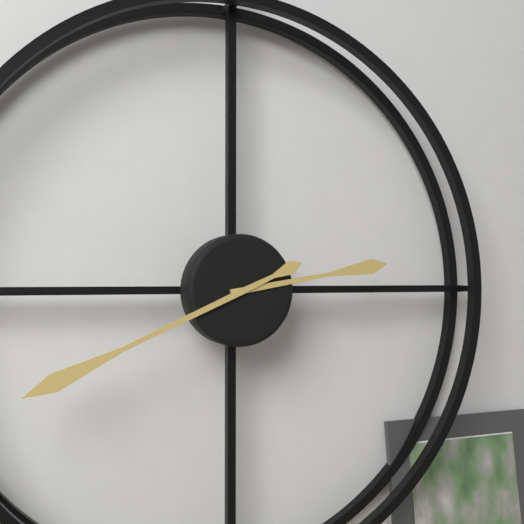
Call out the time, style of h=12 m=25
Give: h=2 m=41
